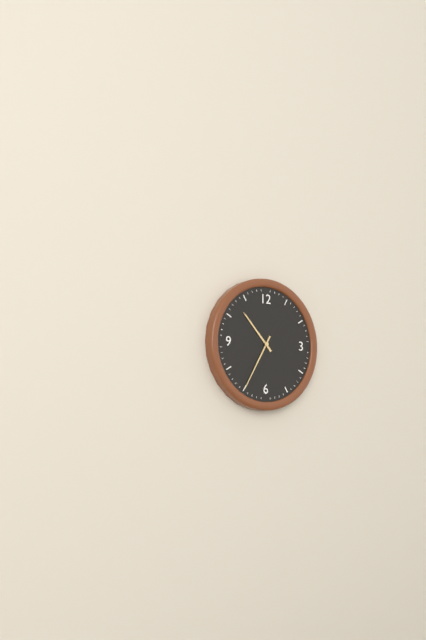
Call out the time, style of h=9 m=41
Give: h=10 m=35
